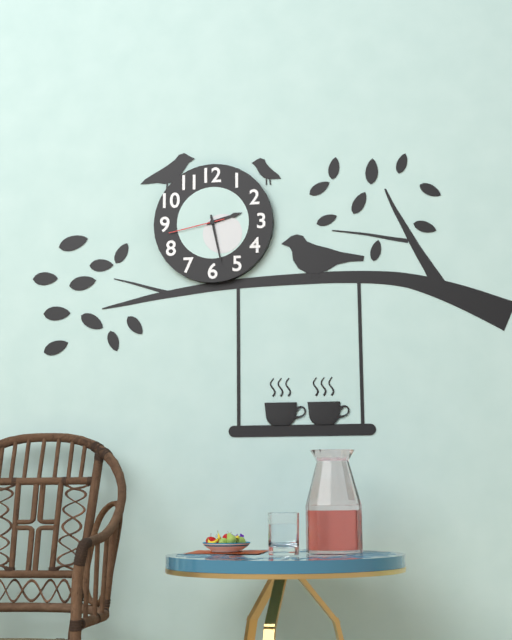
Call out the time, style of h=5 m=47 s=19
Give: h=2 m=28 s=43
